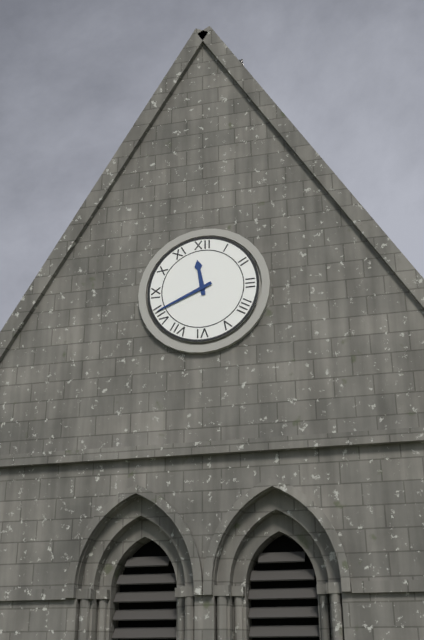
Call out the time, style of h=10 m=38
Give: h=11 m=41
